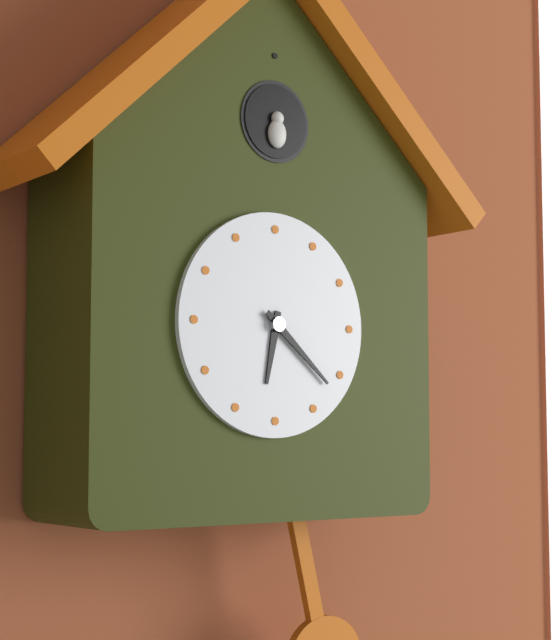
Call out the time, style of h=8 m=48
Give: h=6 m=22
